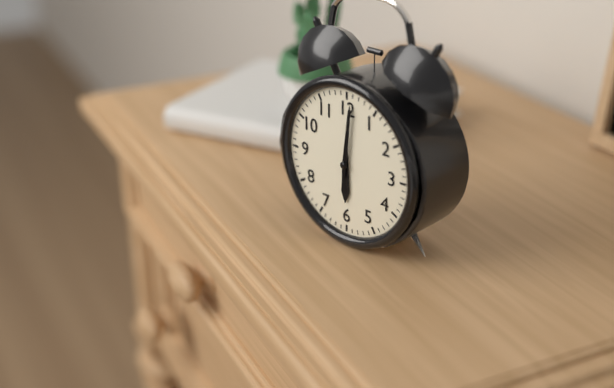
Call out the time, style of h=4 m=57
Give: h=6 m=1
